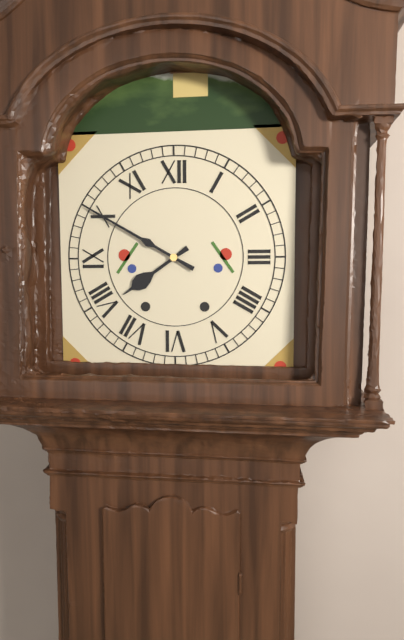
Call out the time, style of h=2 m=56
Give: h=7 m=50
